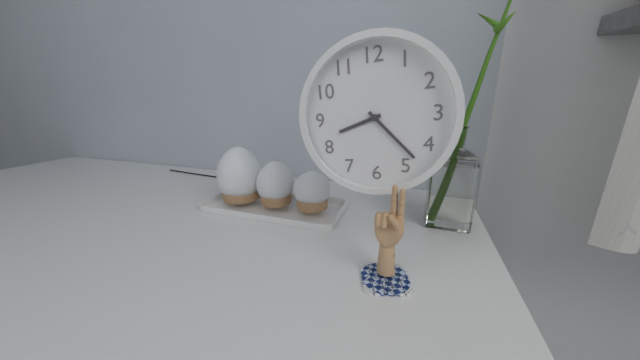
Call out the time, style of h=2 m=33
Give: h=8 m=23
